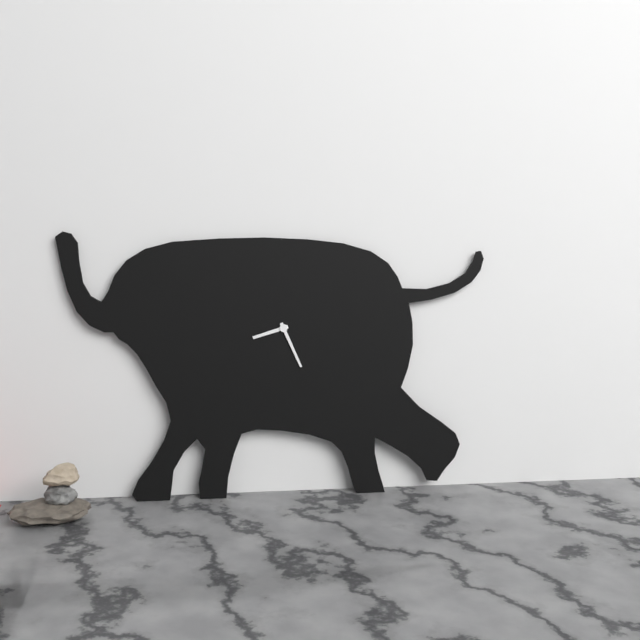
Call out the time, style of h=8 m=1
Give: h=8 m=26
